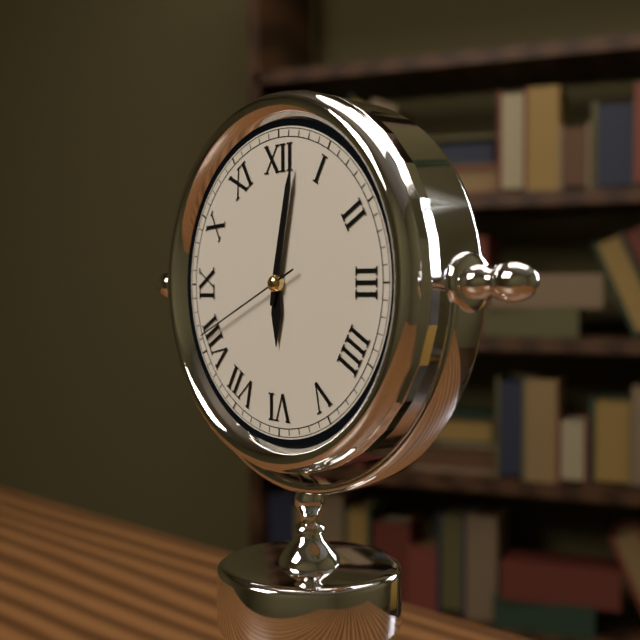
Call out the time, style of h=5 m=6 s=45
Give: h=6 m=2 s=41
